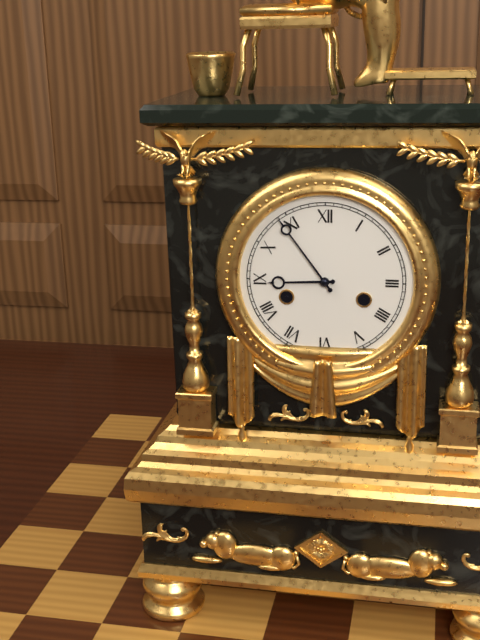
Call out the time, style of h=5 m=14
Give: h=8 m=54
